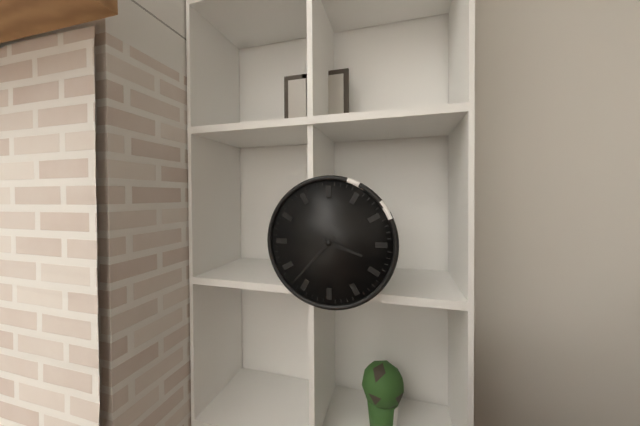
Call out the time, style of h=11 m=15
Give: h=3 m=37
